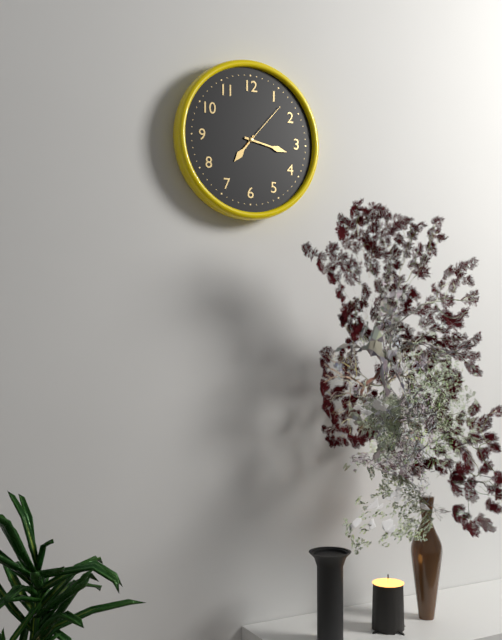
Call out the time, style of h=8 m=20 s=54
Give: h=7 m=17 s=7
